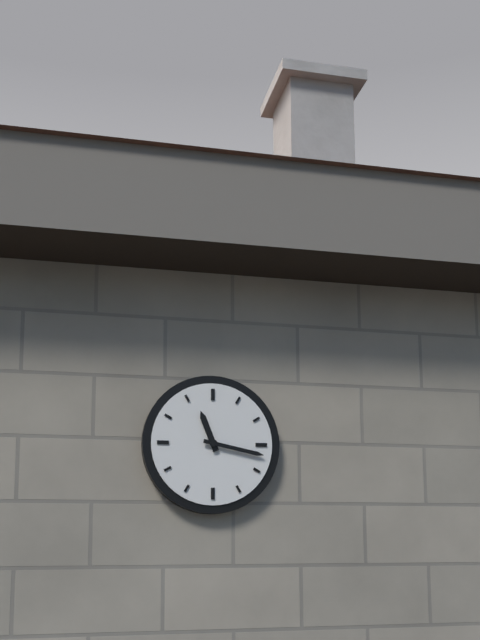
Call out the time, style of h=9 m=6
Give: h=11 m=17
